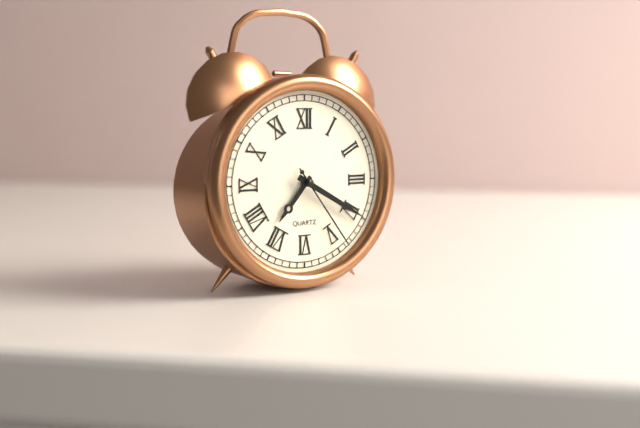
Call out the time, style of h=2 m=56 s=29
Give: h=7 m=20 s=24
